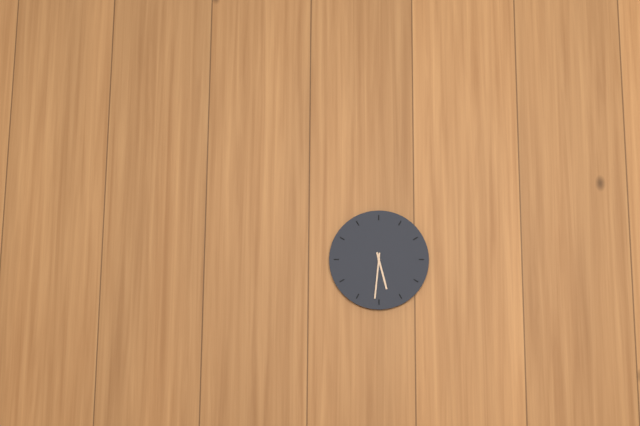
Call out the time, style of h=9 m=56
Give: h=5 m=31
